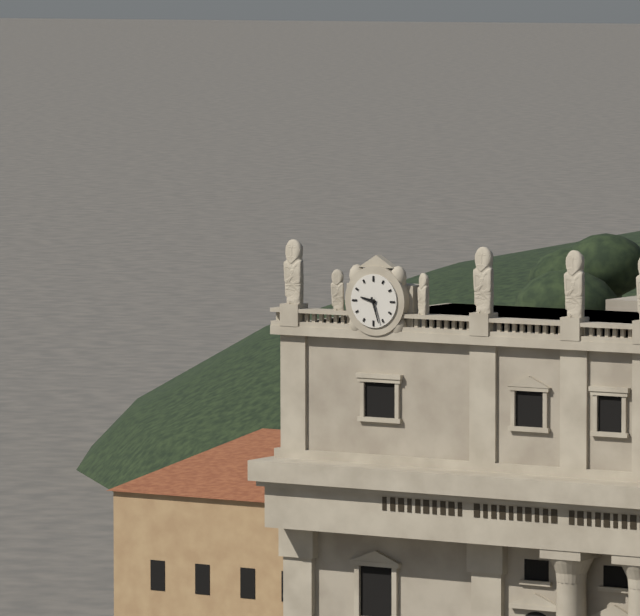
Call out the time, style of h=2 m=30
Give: h=9 m=27
